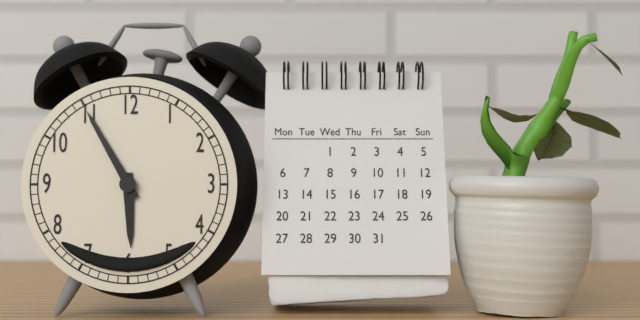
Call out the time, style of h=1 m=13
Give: h=5 m=55
